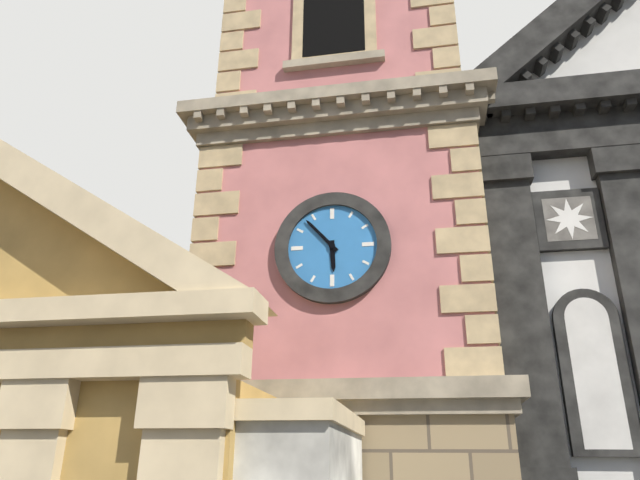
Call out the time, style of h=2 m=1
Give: h=5 m=53
